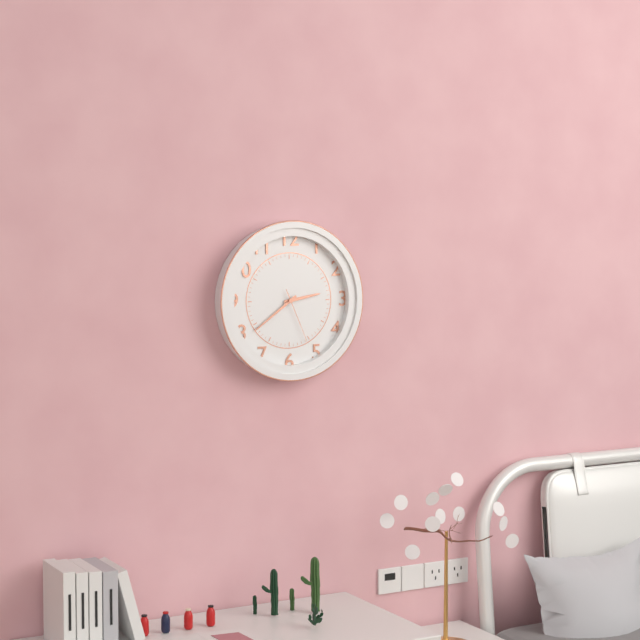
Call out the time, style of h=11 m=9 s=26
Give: h=2 m=39 s=26
